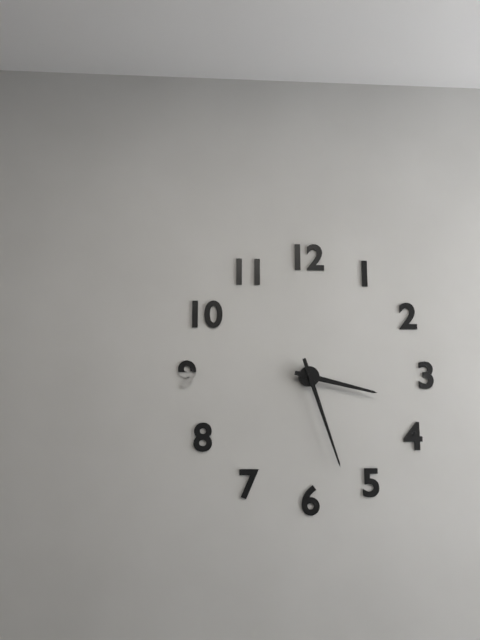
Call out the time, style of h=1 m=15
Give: h=3 m=27
